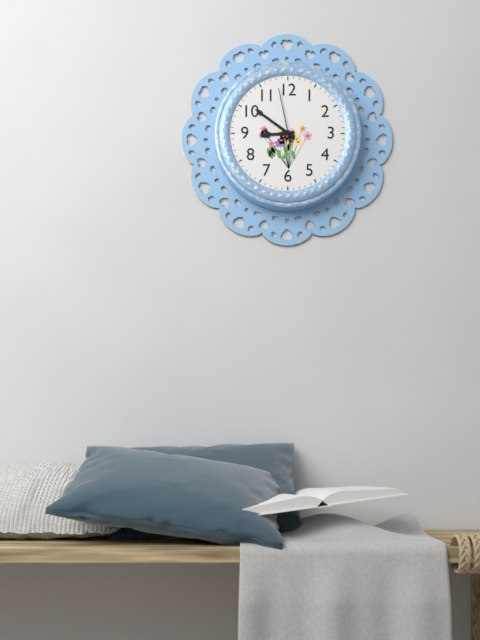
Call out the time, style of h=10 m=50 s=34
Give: h=8 m=51 s=58
